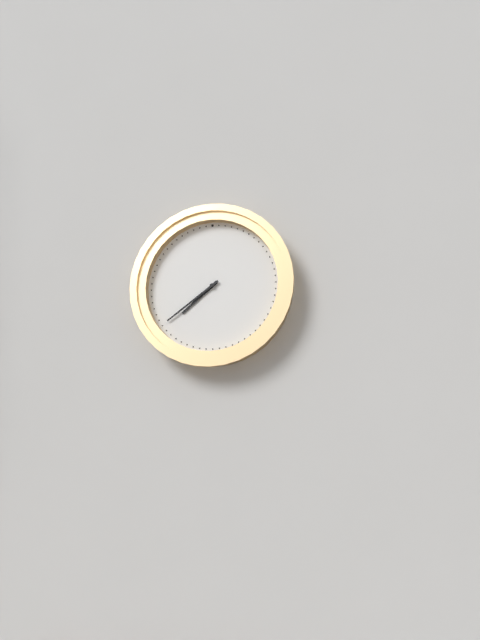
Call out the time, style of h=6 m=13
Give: h=7 m=39
